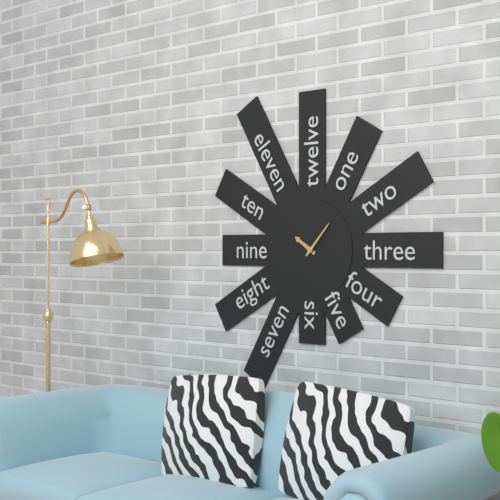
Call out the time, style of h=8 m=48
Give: h=10 m=7
